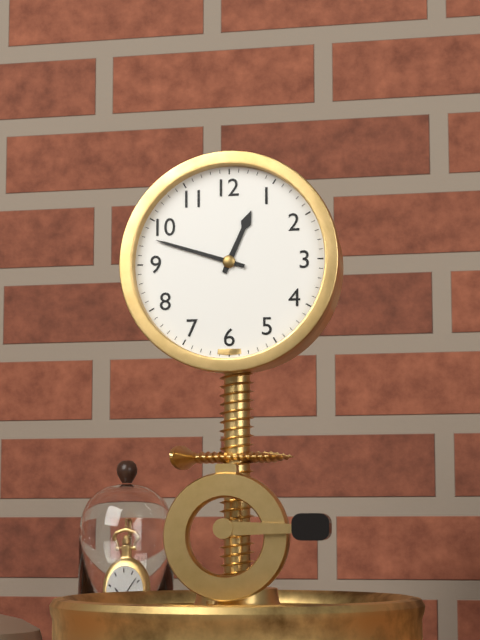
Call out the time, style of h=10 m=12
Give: h=12 m=48
